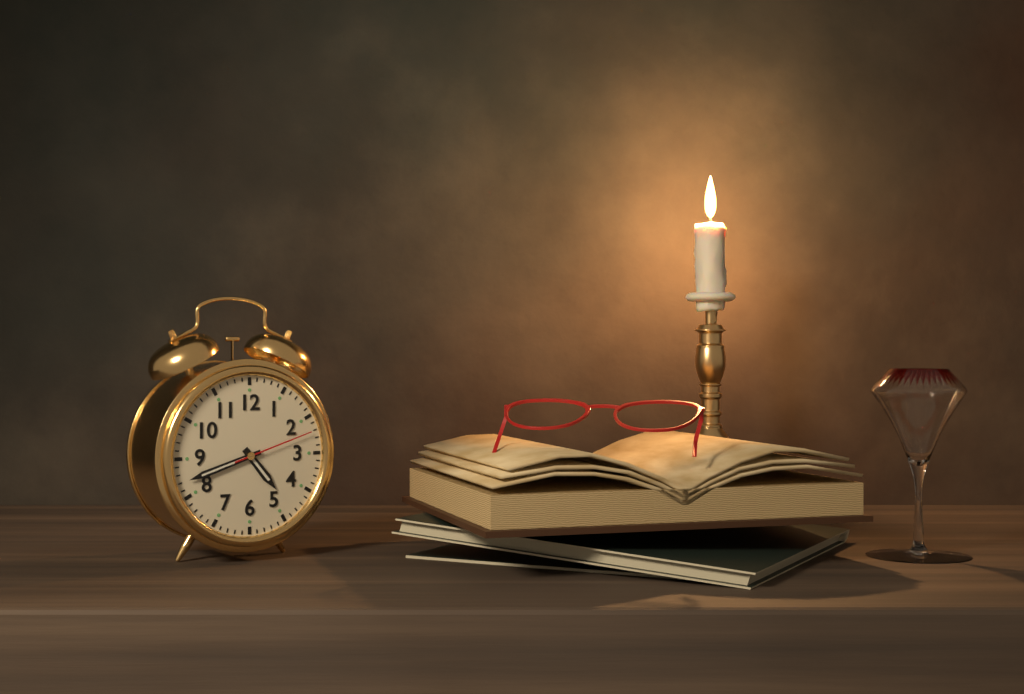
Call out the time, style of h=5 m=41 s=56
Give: h=4 m=42 s=12
